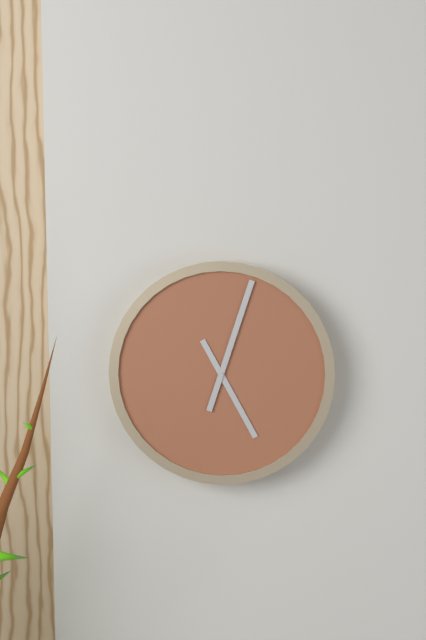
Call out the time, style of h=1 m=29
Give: h=5 m=3
